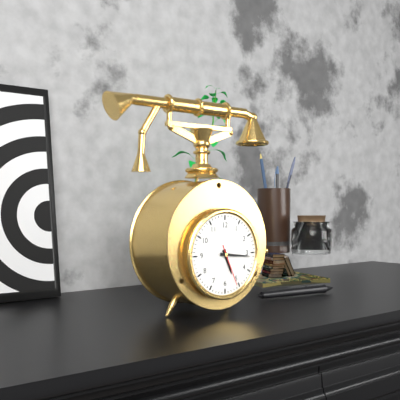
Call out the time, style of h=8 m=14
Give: h=5 m=16
